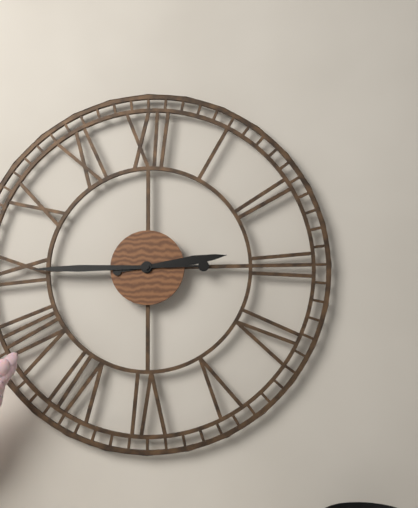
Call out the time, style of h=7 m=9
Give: h=2 m=45
